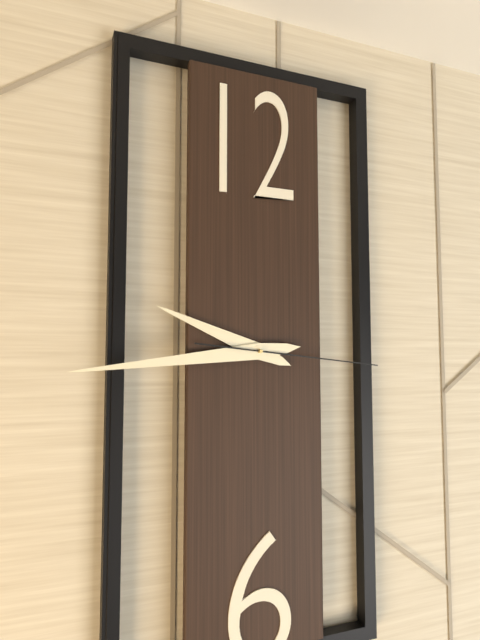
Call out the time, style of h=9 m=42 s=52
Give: h=9 m=44 s=16
